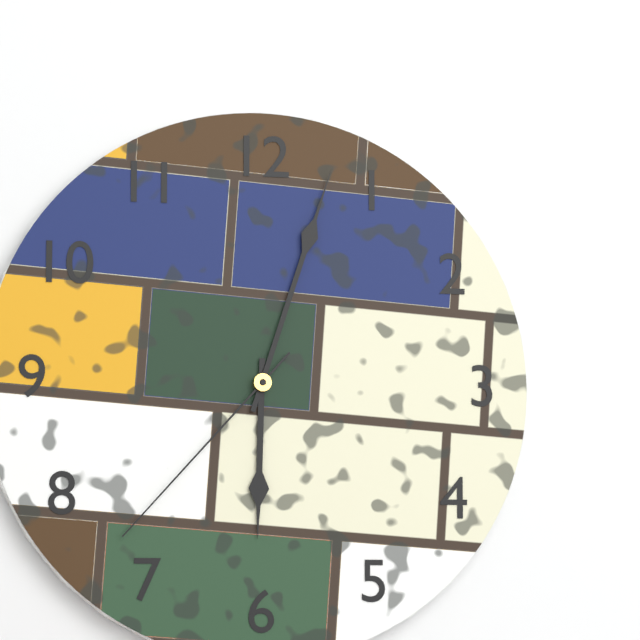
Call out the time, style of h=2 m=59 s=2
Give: h=6 m=3 s=37
